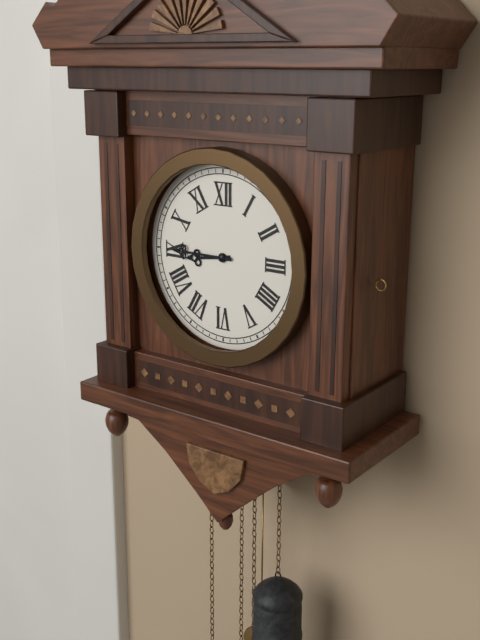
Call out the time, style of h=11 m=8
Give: h=8 m=45
